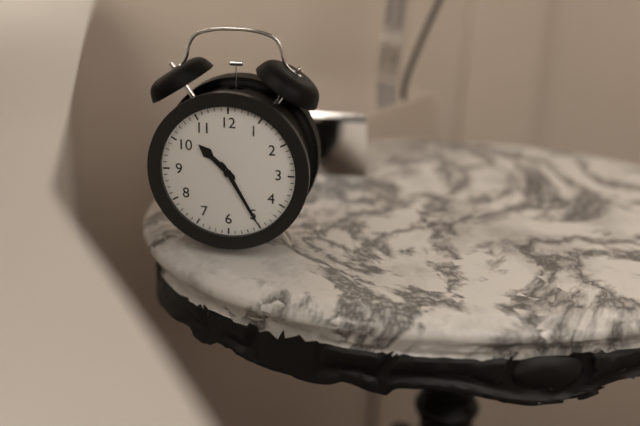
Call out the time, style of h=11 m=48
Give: h=10 m=25
